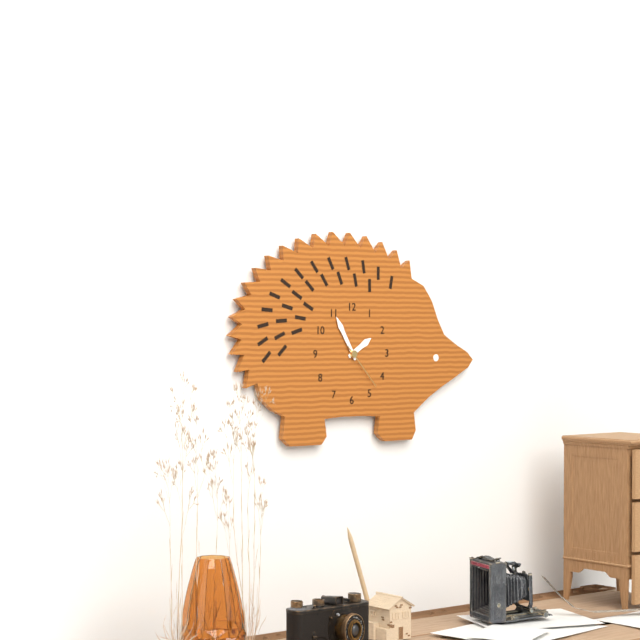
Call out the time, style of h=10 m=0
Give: h=1 m=55
